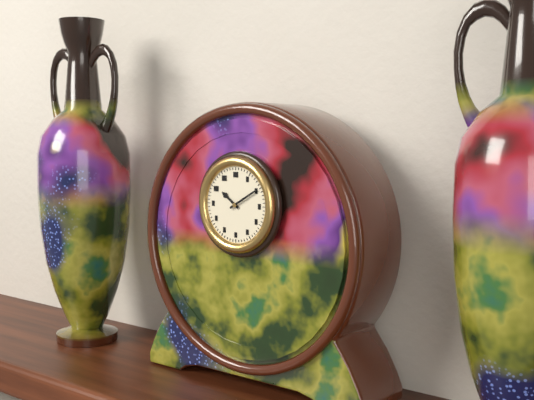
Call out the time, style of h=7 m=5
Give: h=10 m=10
